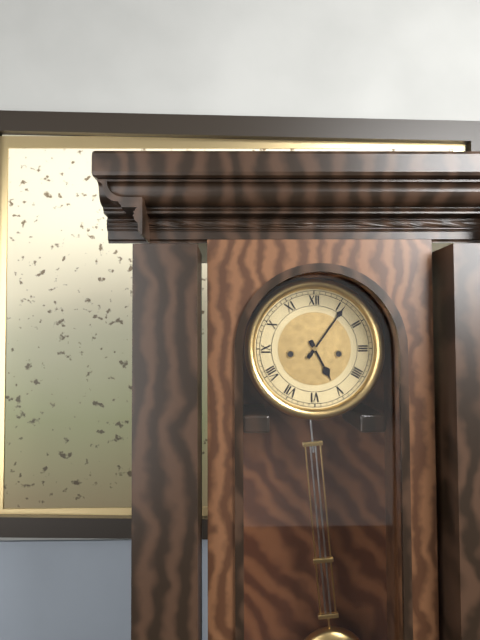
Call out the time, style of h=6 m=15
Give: h=5 m=6
